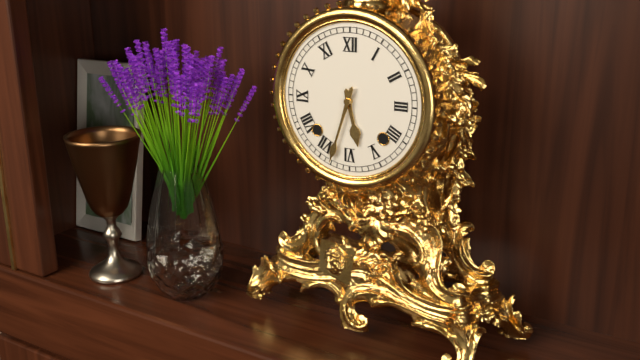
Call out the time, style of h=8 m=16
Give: h=5 m=33
